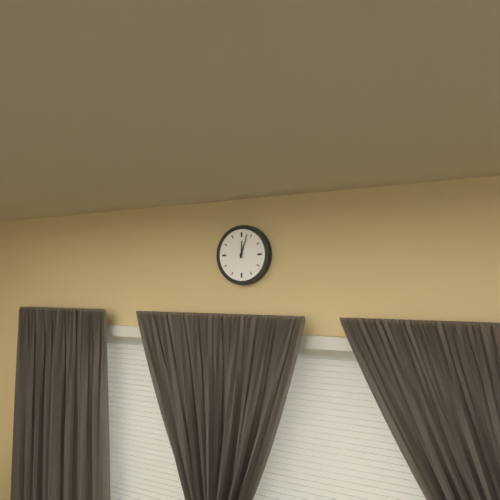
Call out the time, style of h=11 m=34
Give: h=12 m=3
